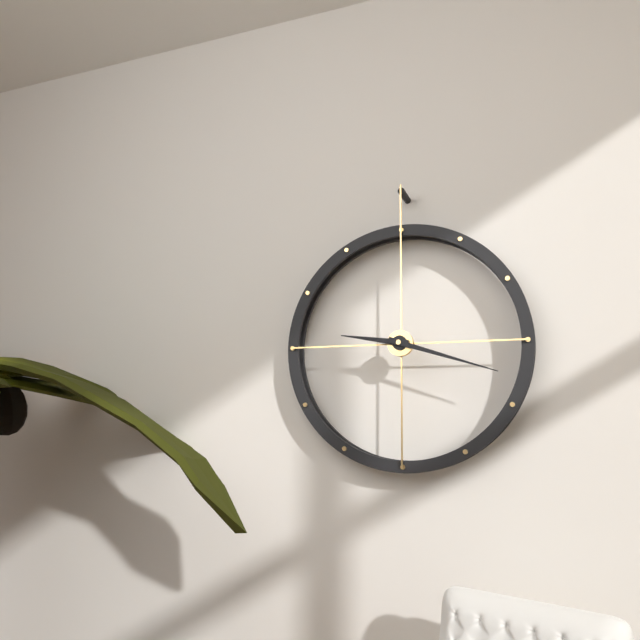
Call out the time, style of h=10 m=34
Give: h=9 m=18
